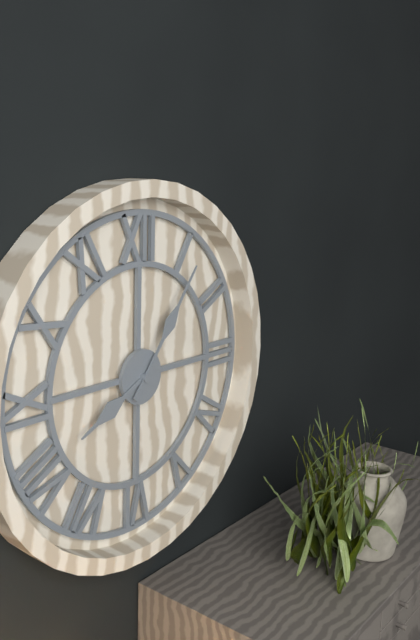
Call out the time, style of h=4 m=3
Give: h=8 m=6
